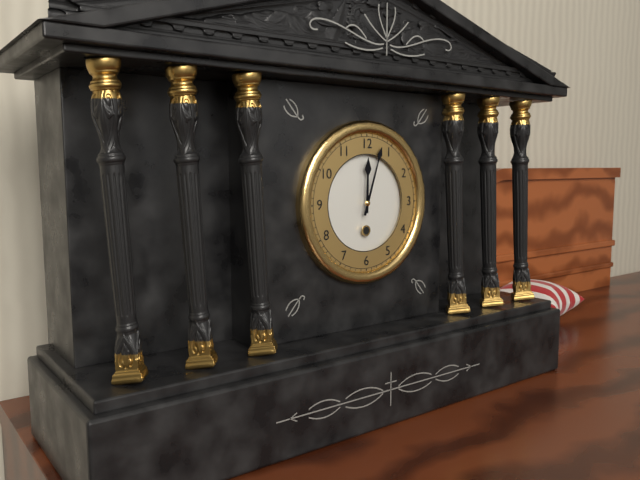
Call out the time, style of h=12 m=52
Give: h=12 m=3
